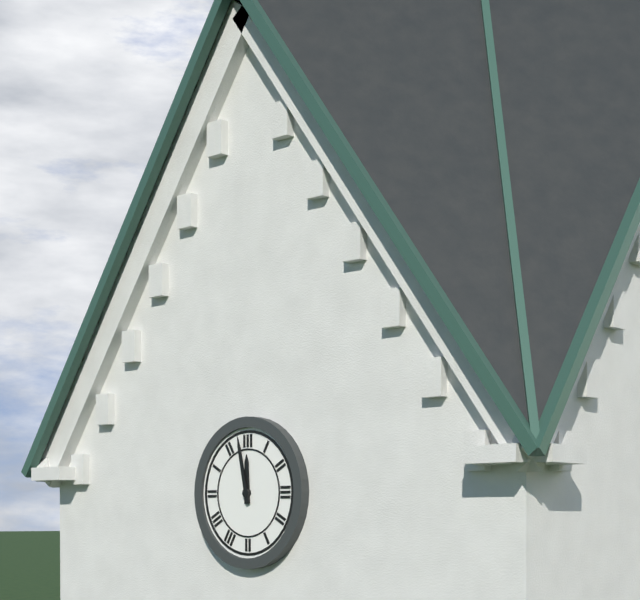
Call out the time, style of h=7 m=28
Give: h=11 m=58
